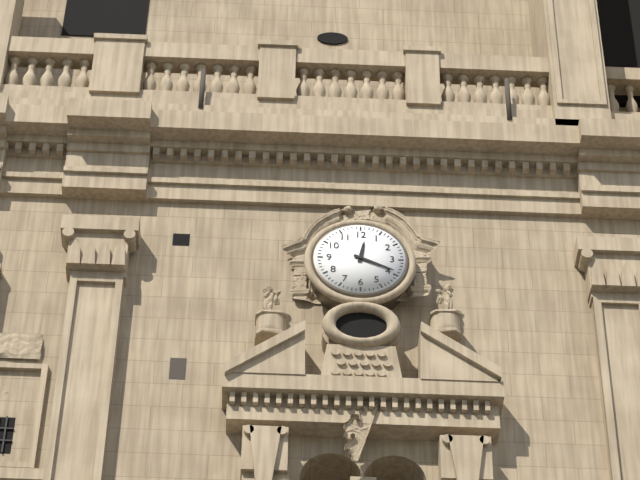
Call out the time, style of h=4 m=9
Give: h=12 m=19
